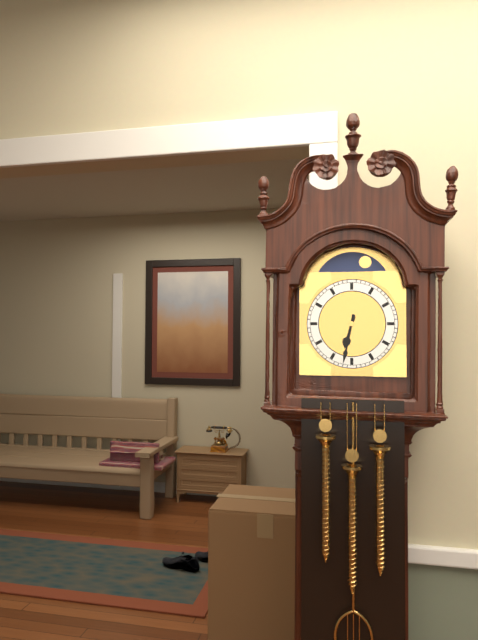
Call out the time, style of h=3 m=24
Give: h=6 m=32
